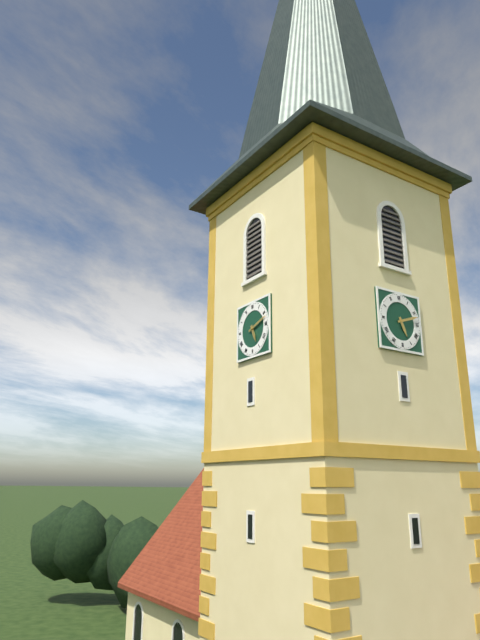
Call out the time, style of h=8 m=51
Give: h=5 m=12
